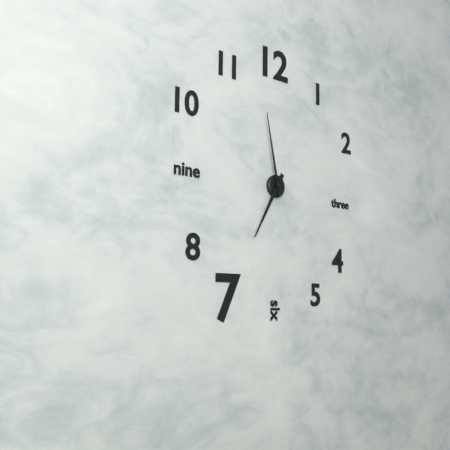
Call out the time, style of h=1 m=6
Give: h=6 m=58
